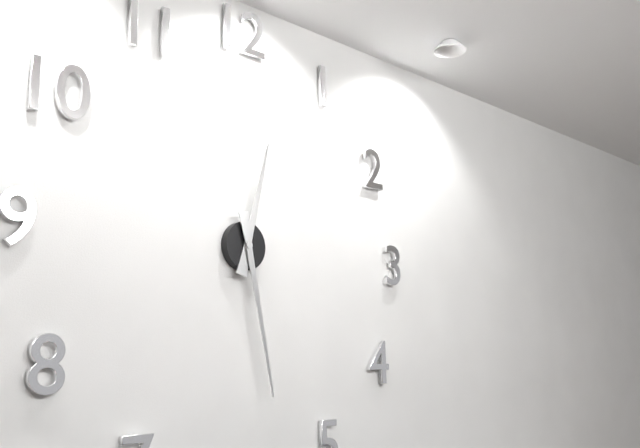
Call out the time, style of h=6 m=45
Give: h=12 m=28
